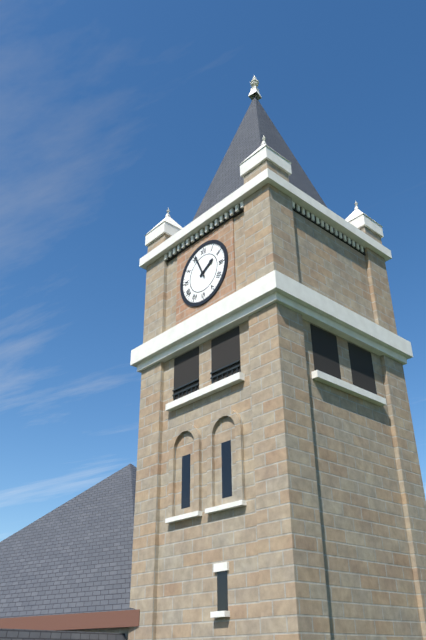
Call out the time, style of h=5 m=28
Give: h=1 m=56
